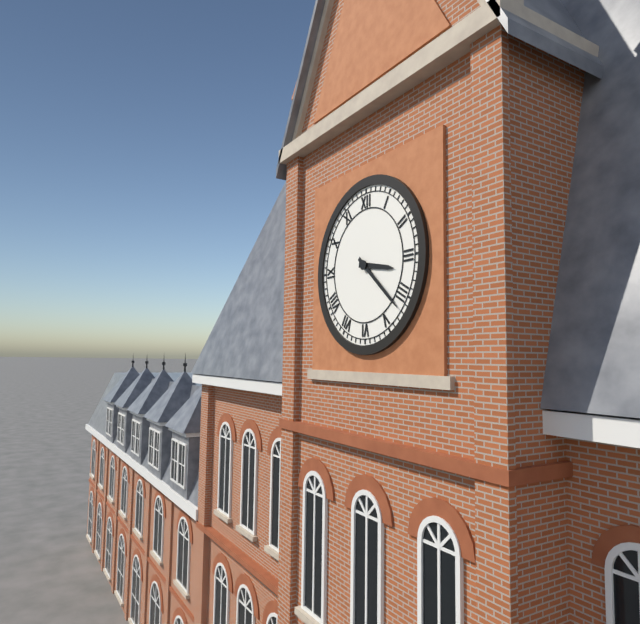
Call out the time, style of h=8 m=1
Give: h=3 m=22
